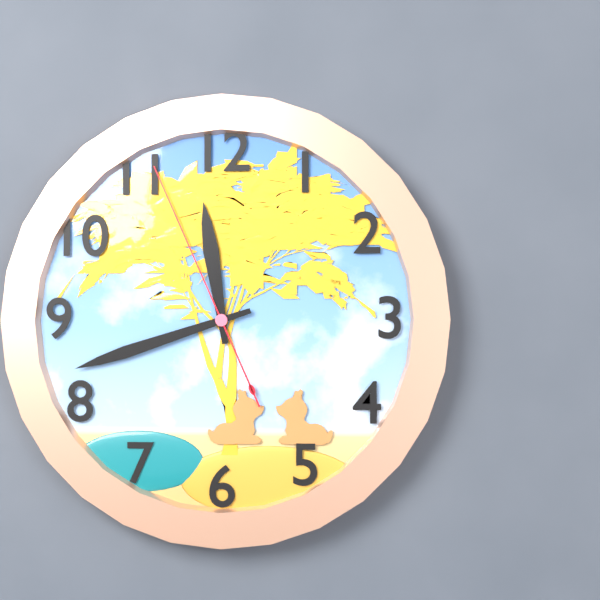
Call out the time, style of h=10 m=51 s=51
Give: h=11 m=42 s=56
